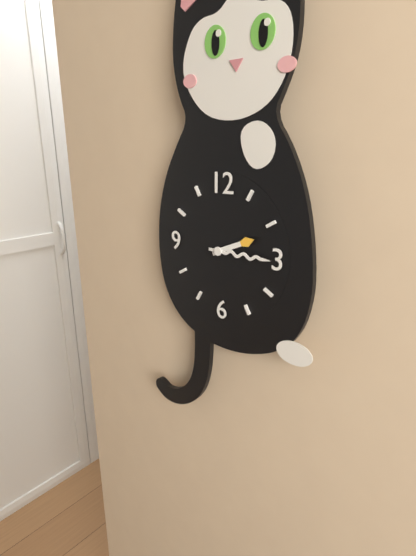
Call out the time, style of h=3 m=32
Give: h=2 m=15
